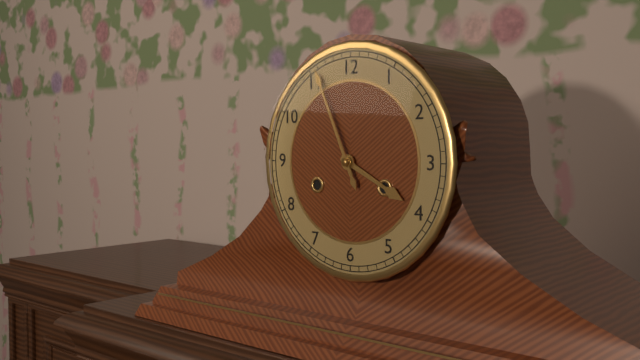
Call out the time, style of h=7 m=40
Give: h=3 m=56
